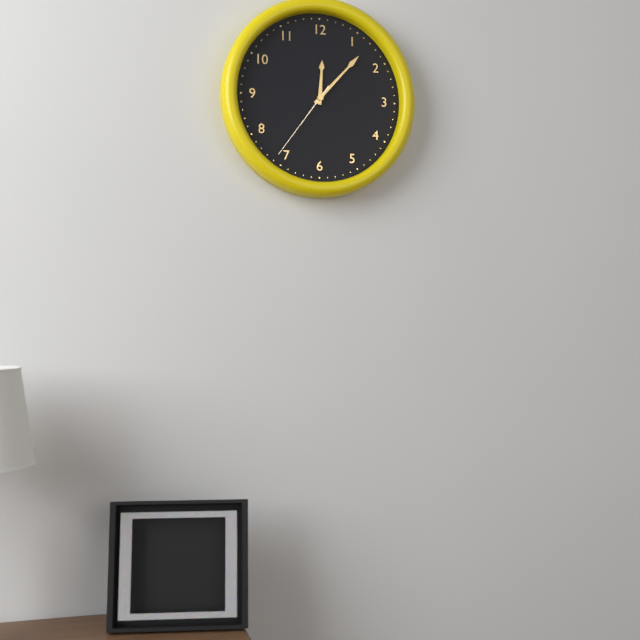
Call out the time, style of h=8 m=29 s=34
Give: h=12 m=7 s=36
